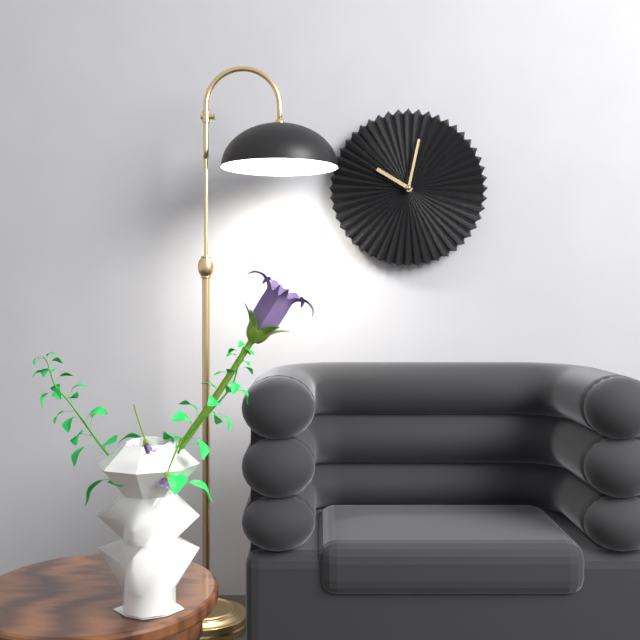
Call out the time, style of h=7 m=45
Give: h=10 m=2
